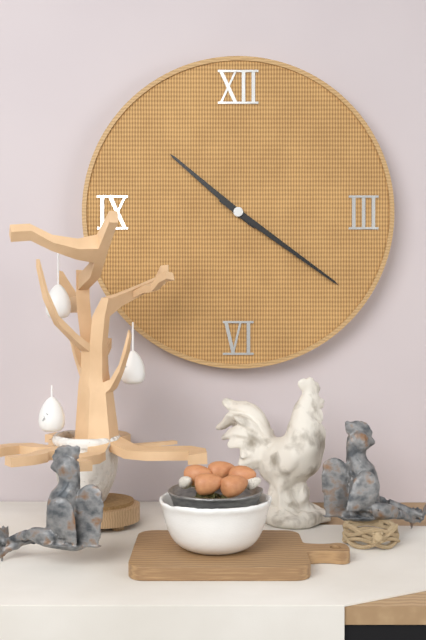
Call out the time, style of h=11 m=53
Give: h=10 m=21
